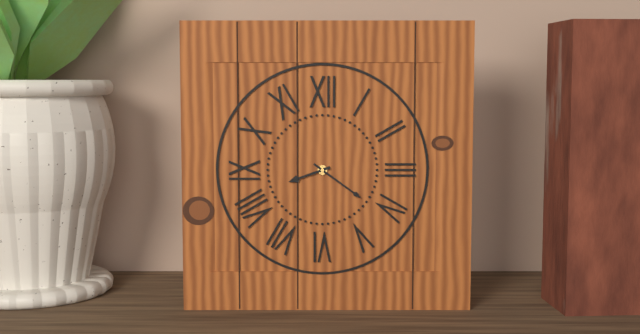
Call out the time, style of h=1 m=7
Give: h=8 m=21
